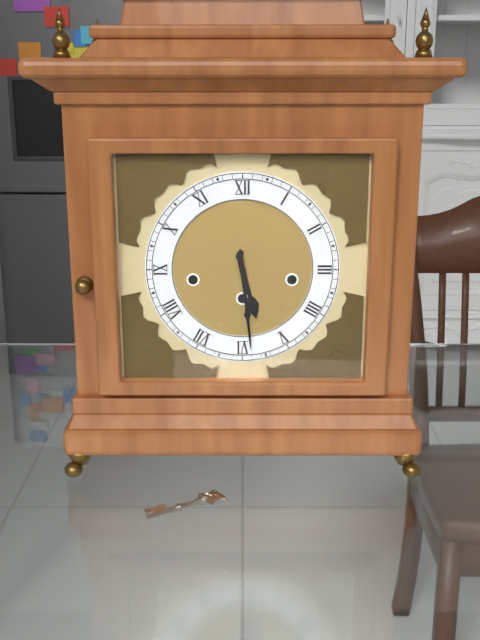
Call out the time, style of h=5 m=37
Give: h=5 m=29
